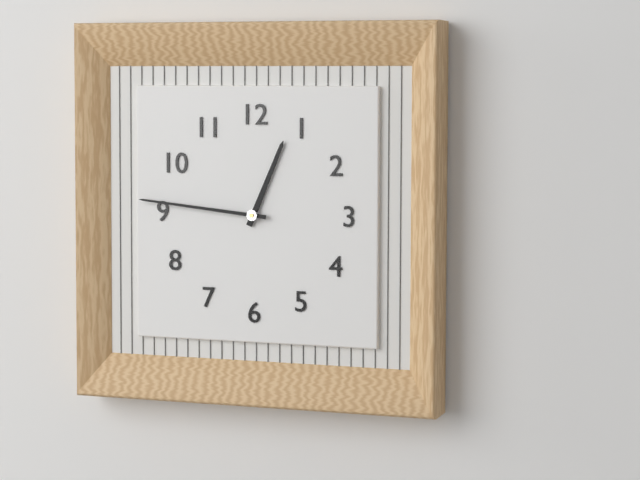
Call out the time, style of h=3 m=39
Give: h=12 m=46
